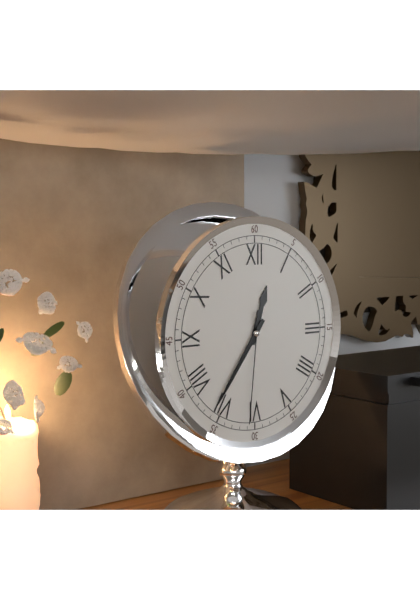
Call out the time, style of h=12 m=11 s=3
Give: h=12 m=36 s=31
